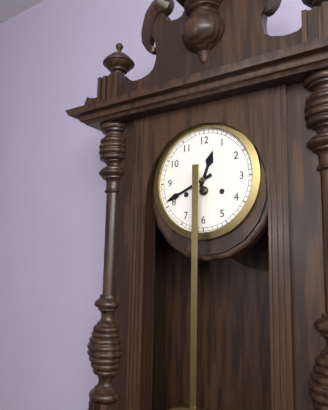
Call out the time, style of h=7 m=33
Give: h=12 m=41
